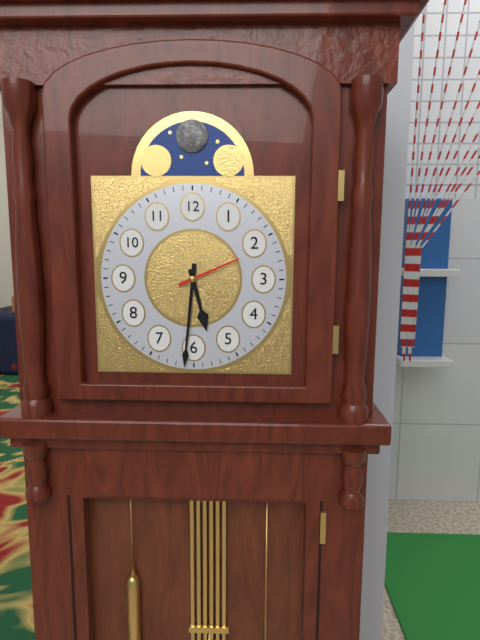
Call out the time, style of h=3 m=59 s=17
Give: h=5 m=31 s=11
